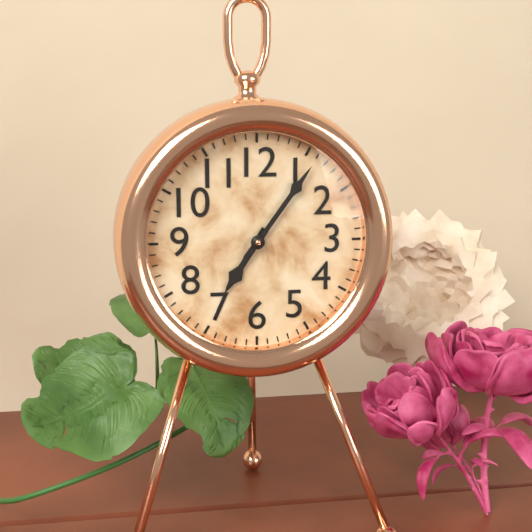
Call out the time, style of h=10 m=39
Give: h=7 m=6
